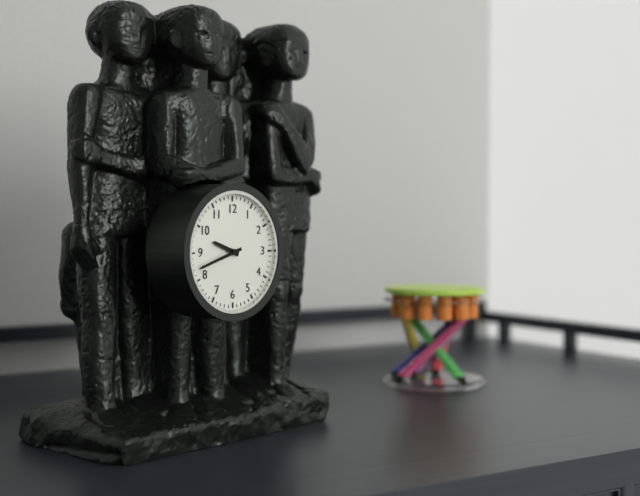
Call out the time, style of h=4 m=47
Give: h=9 m=42
